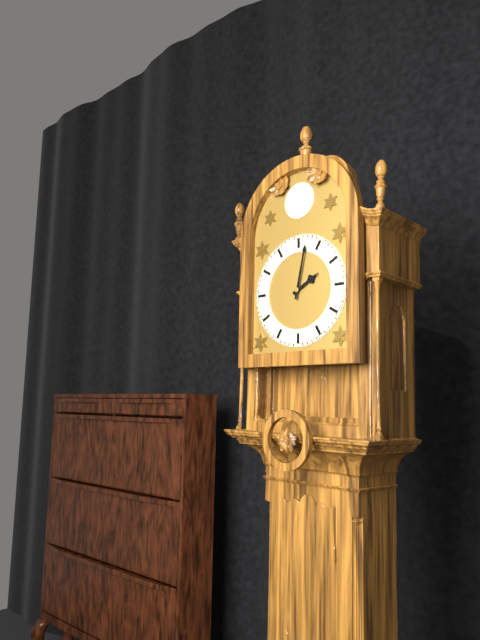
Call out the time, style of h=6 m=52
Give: h=2 m=2
